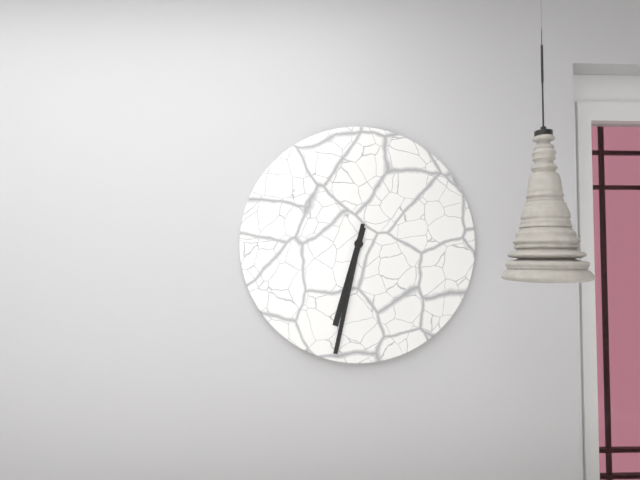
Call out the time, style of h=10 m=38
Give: h=6 m=32
